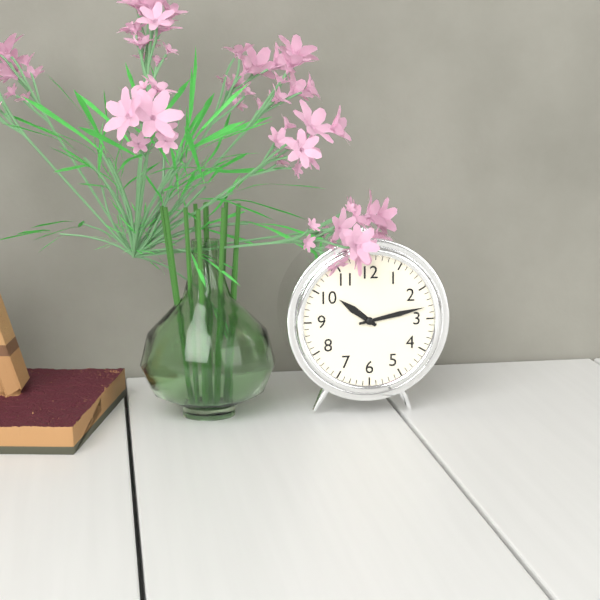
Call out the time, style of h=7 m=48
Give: h=10 m=13
